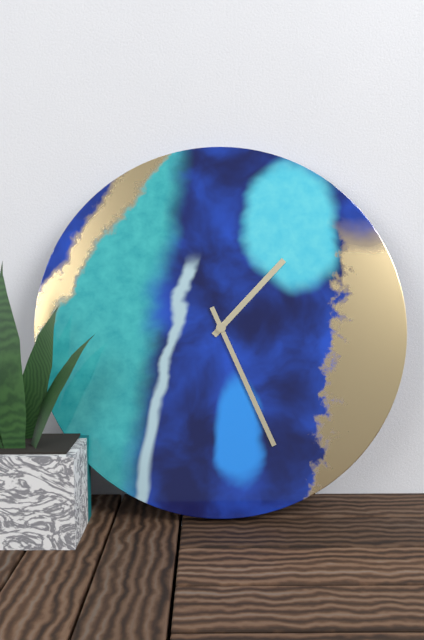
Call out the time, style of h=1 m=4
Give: h=1 m=26
